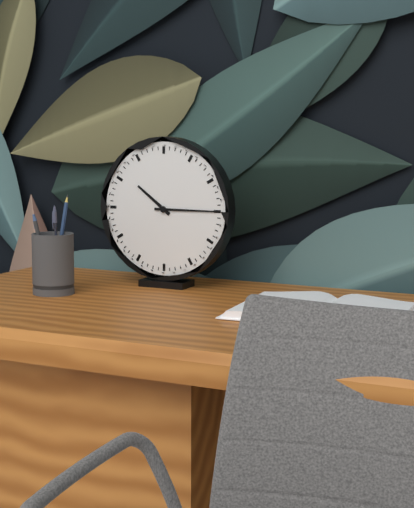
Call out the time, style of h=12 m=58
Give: h=10 m=15
